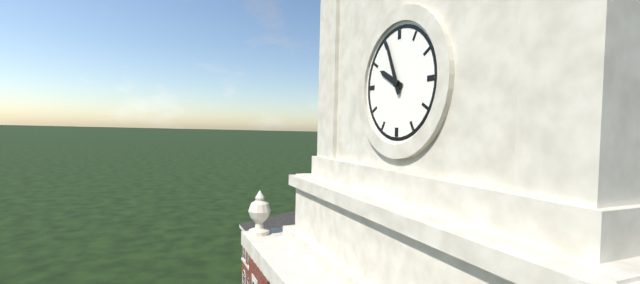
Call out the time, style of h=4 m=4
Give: h=9 m=56
